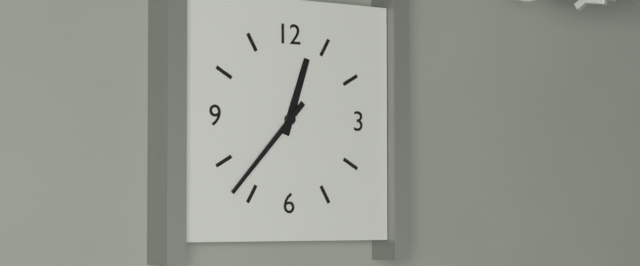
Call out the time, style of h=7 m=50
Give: h=12 m=37
